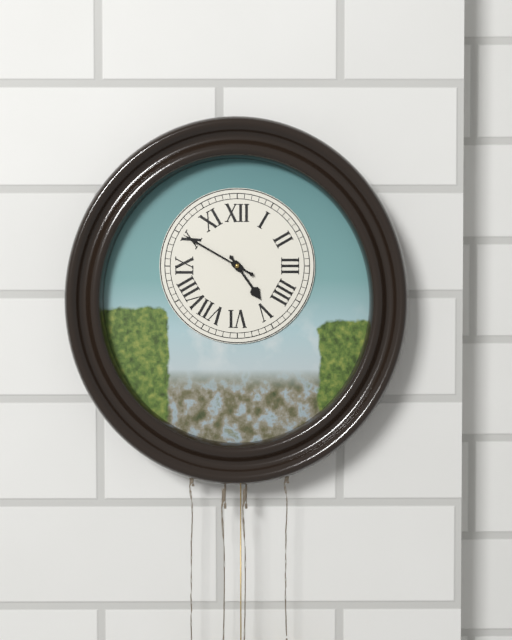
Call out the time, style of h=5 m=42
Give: h=4 m=50
